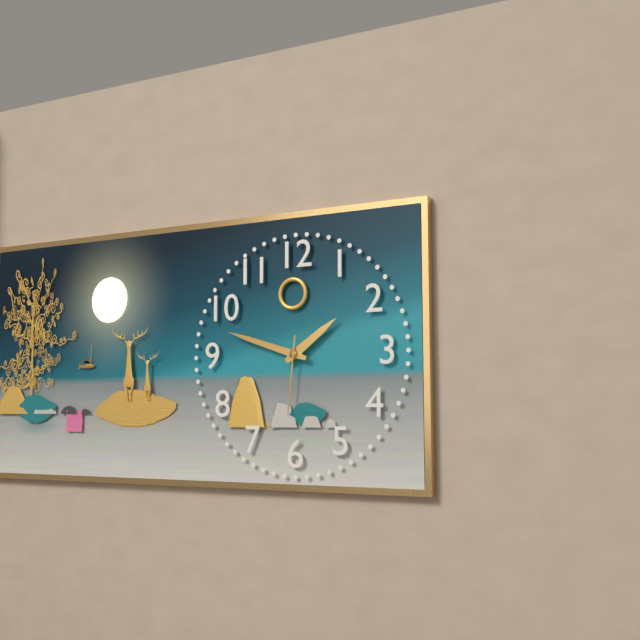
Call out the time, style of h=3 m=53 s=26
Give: h=1 m=48 s=31
